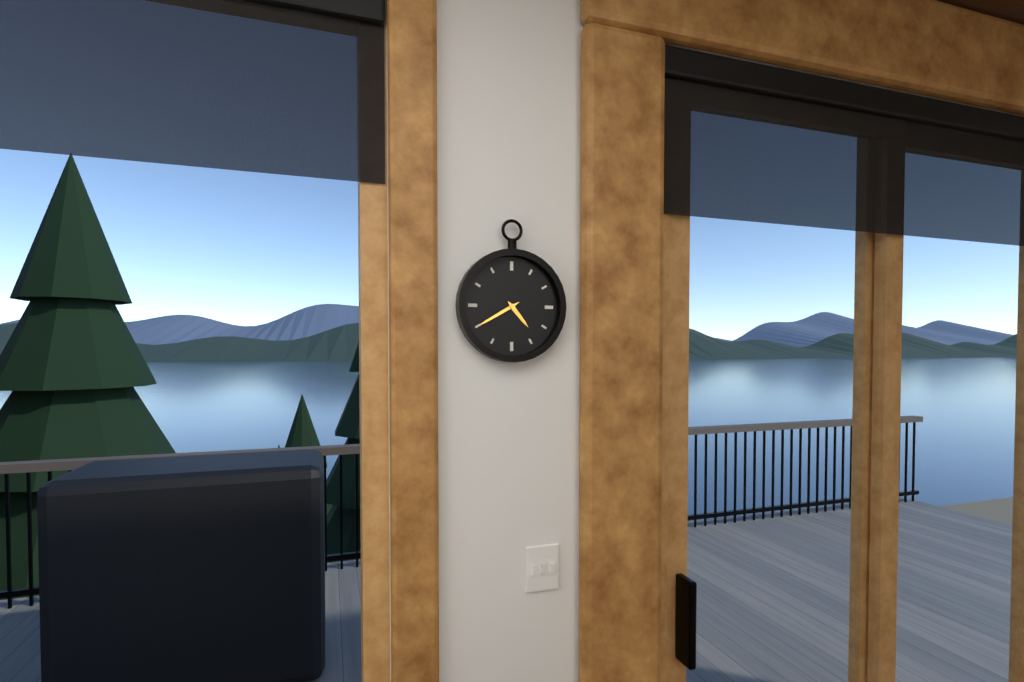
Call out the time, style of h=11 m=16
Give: h=4 m=40
